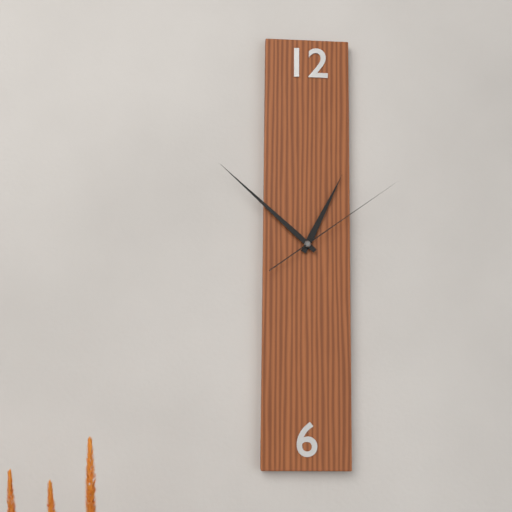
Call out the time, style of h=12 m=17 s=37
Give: h=12 m=52 s=9
